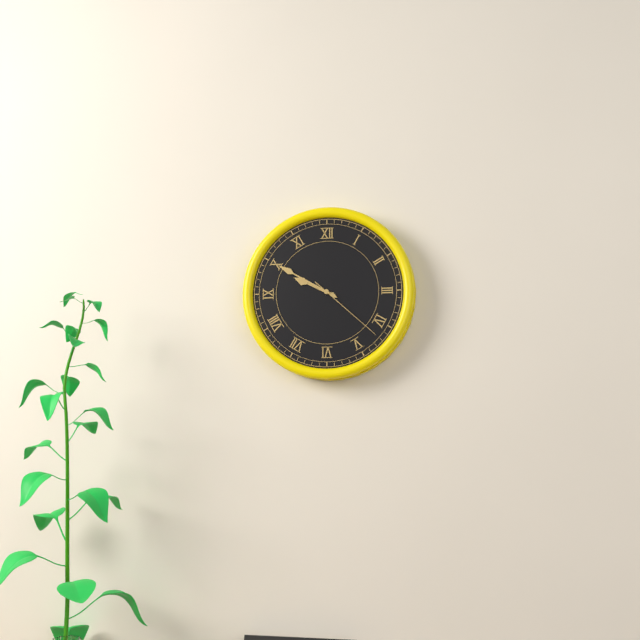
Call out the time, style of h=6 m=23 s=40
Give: h=9 m=50 s=22
